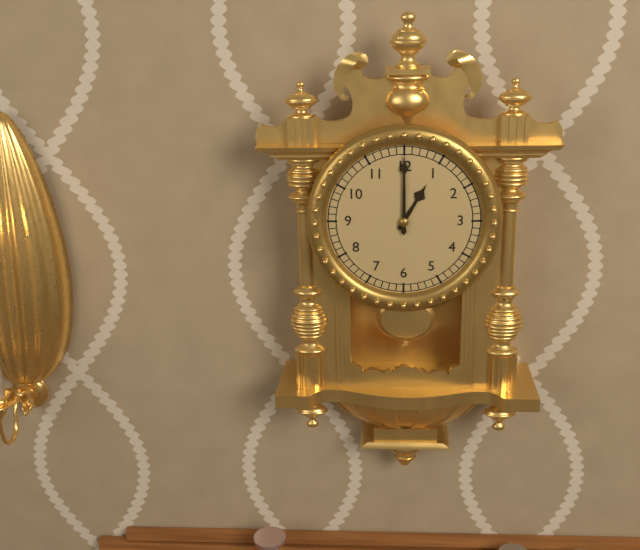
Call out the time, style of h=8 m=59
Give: h=1 m=0
